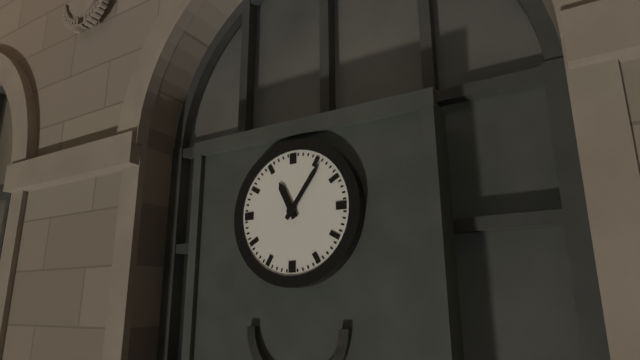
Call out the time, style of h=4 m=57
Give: h=11 m=6
